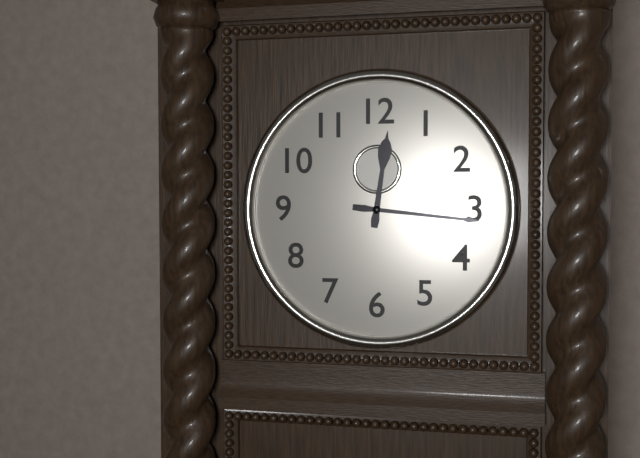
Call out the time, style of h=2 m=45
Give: h=12 m=16
